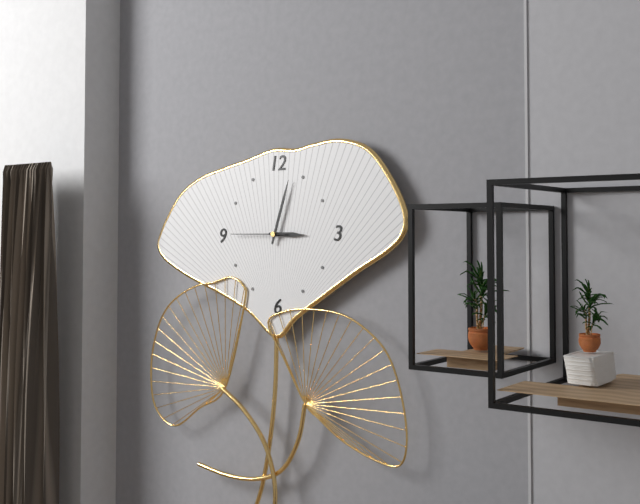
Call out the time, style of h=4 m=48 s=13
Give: h=3 m=3 s=45
